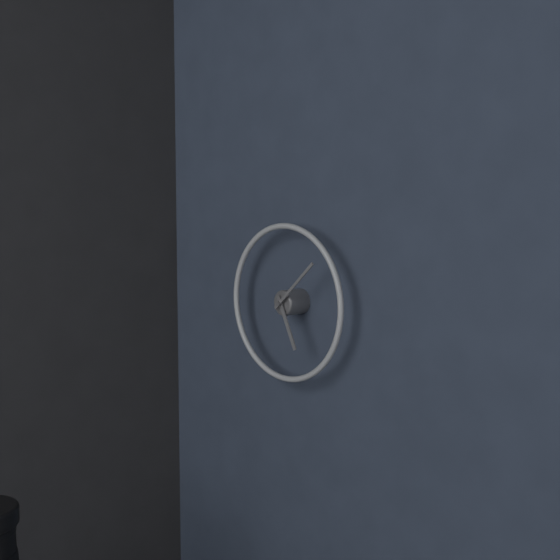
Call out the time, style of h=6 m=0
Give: h=5 m=8
